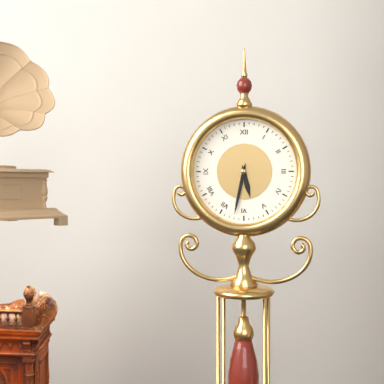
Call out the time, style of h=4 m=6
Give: h=5 m=32
